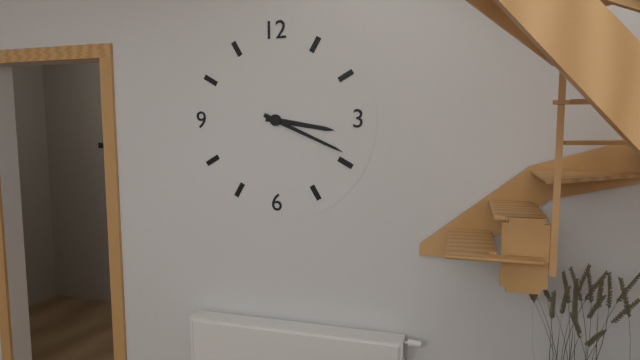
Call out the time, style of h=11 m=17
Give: h=3 m=19
